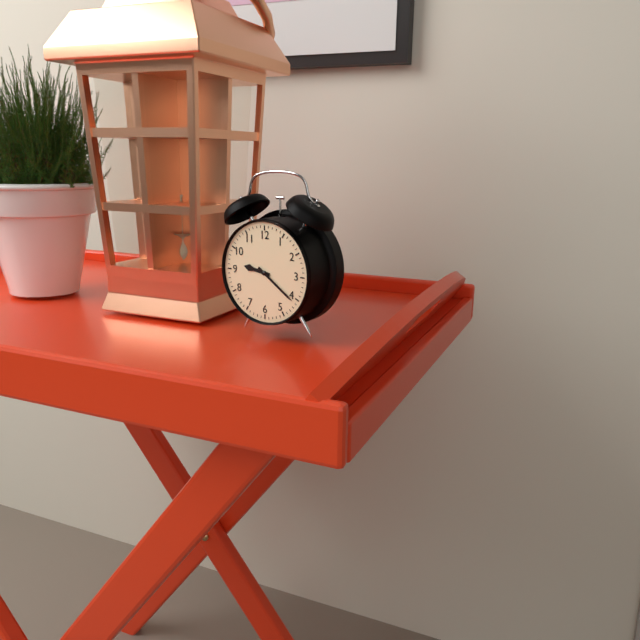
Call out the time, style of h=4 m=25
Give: h=9 m=21
